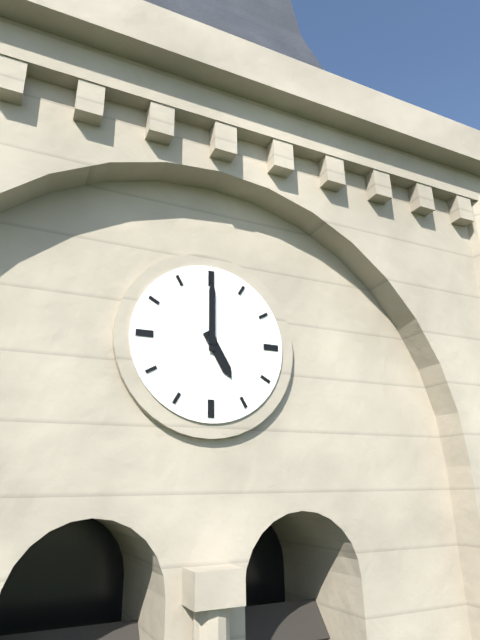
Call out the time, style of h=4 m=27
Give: h=5 m=0
